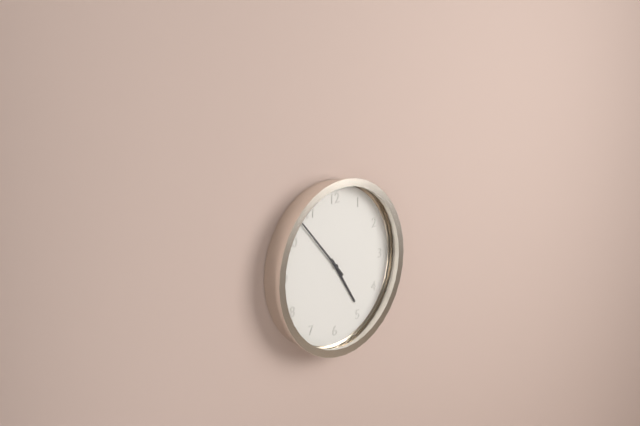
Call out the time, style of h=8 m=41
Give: h=4 m=53
